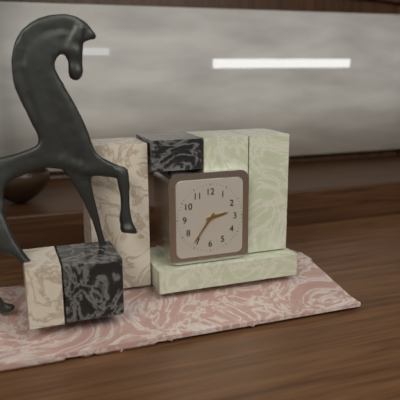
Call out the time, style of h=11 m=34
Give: h=2 m=36
